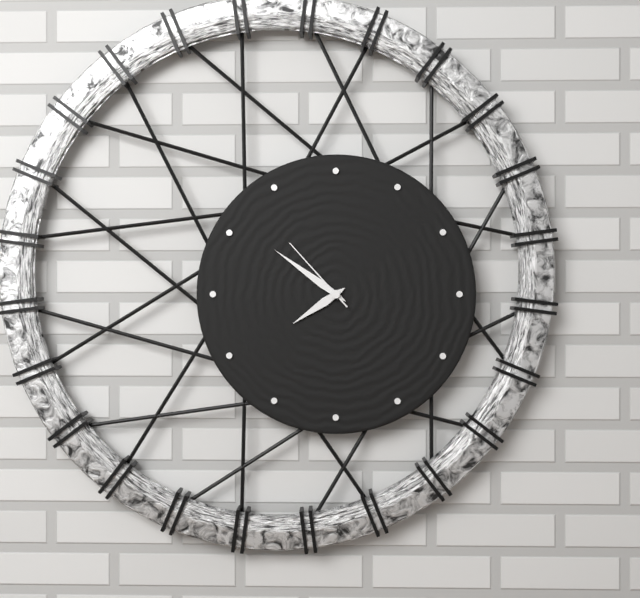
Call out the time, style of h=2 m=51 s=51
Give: h=7 m=51 s=53
